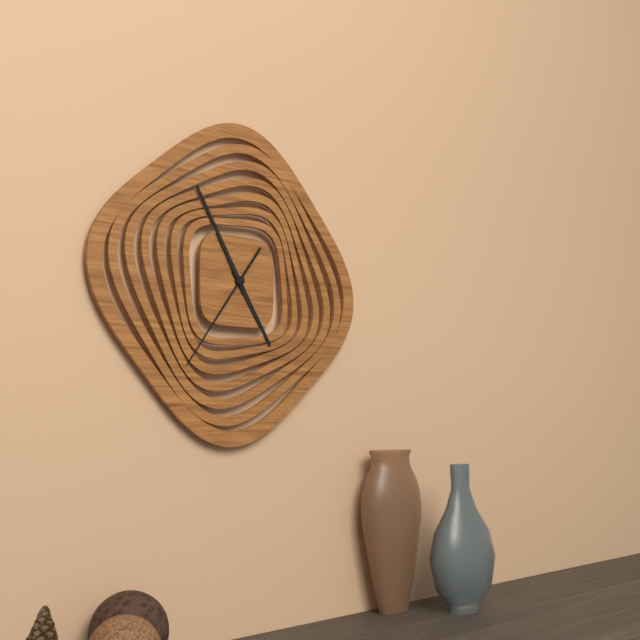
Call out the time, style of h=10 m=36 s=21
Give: h=4 m=55 s=36
